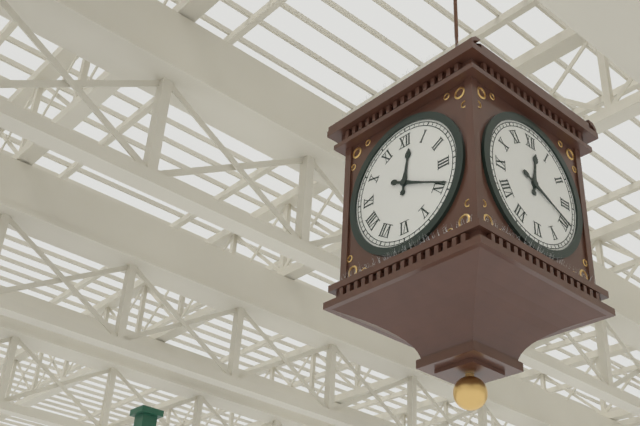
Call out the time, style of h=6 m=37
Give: h=12 m=19
